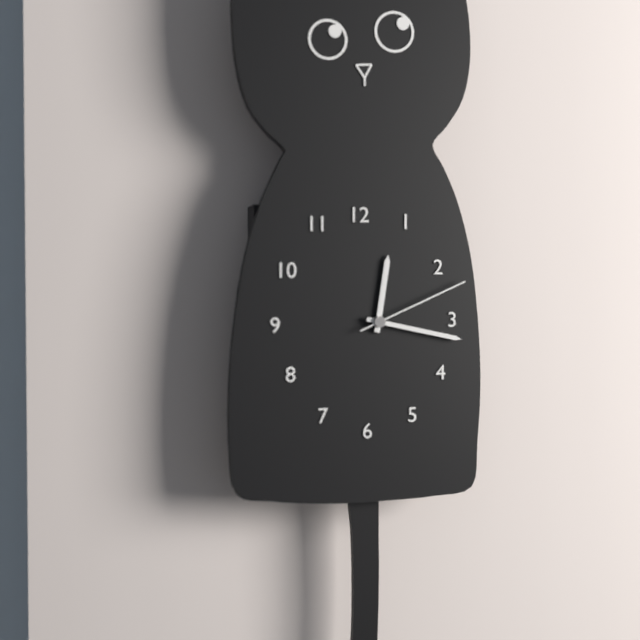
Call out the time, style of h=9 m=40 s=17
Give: h=12 m=17 s=11
